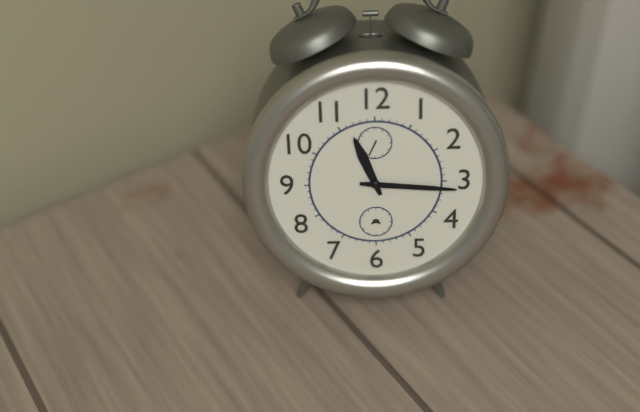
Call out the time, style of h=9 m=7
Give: h=11 m=16
